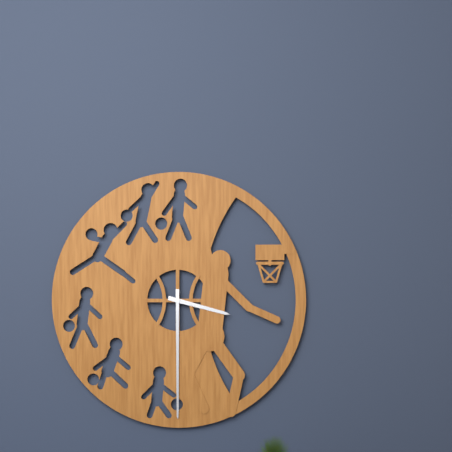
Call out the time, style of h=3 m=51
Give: h=3 m=30
